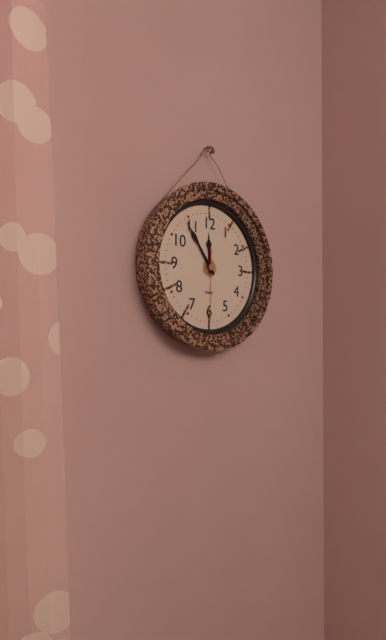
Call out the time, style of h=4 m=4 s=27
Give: h=11 m=54 s=30
